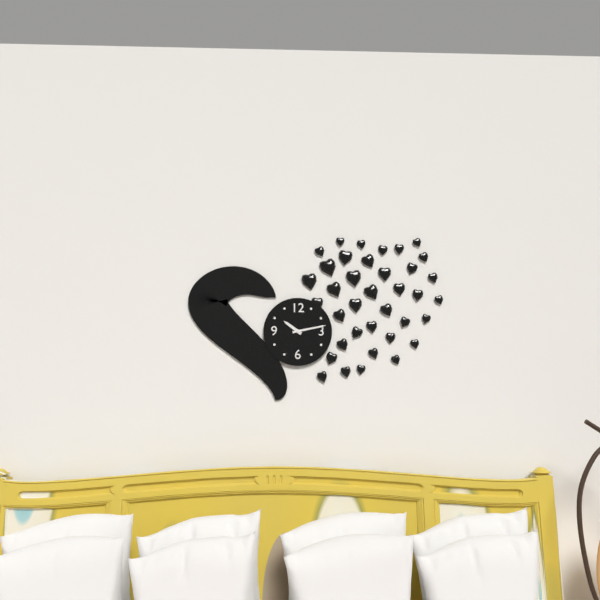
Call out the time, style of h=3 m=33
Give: h=10 m=13
